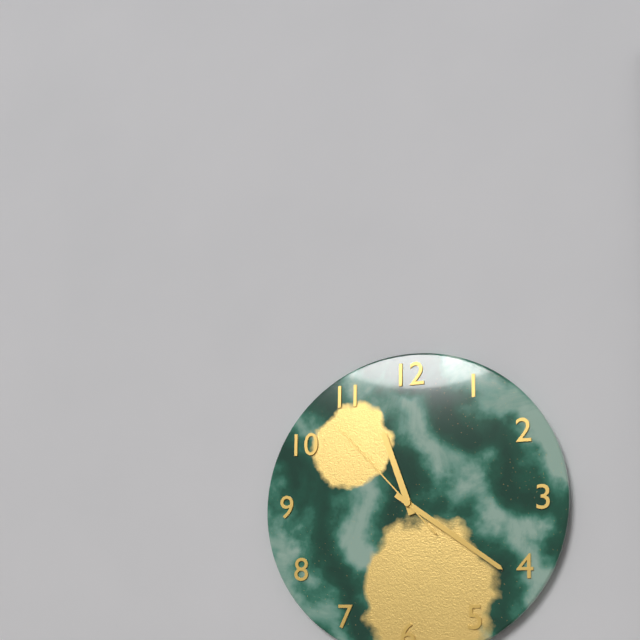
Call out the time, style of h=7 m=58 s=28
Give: h=11 m=21 s=53
